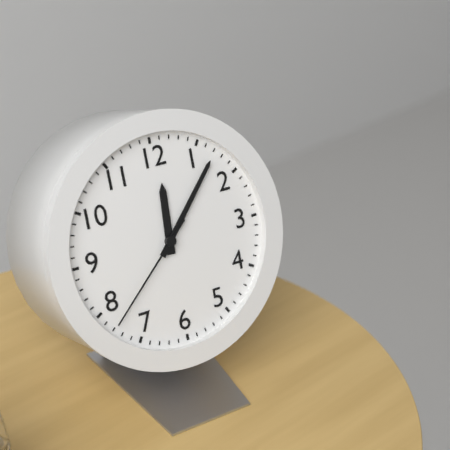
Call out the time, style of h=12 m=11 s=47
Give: h=12 m=7 s=38
